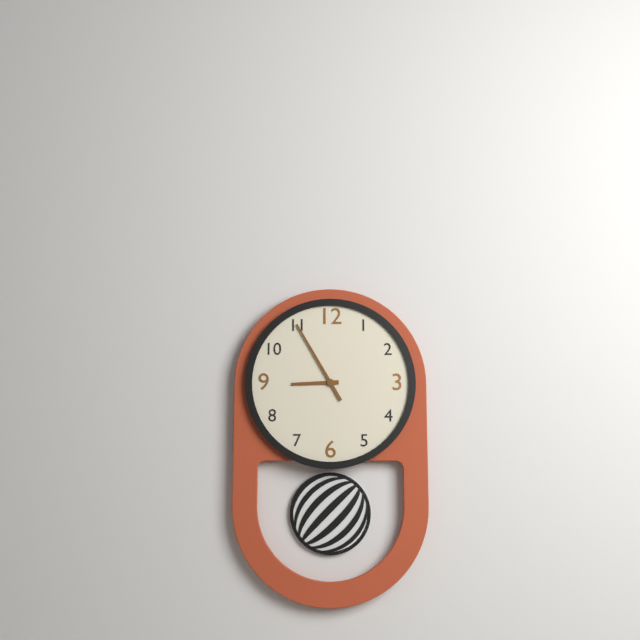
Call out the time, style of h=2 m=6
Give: h=8 m=55
